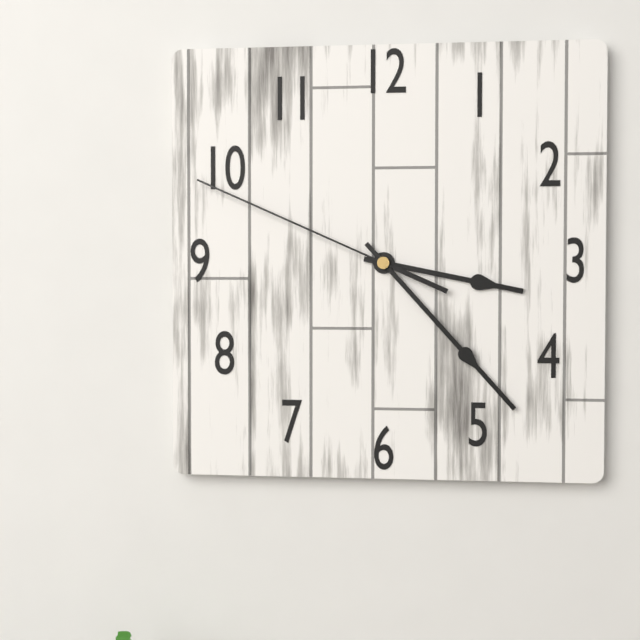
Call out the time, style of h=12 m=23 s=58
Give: h=3 m=23 s=49
